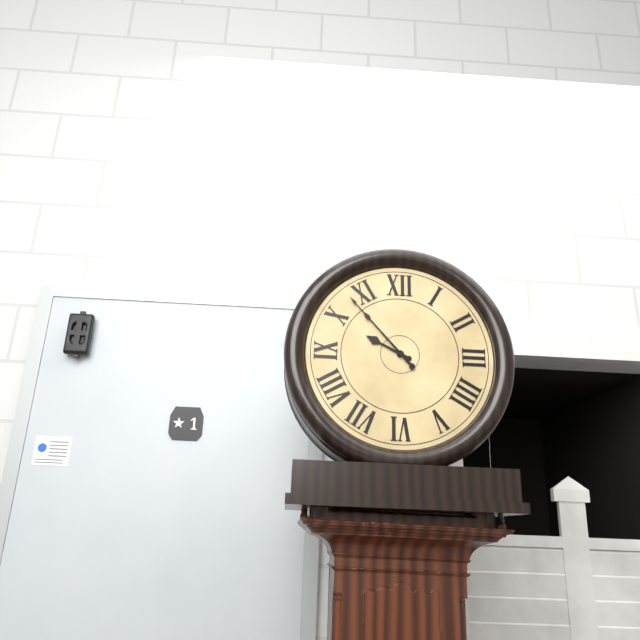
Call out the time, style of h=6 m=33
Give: h=9 m=53
